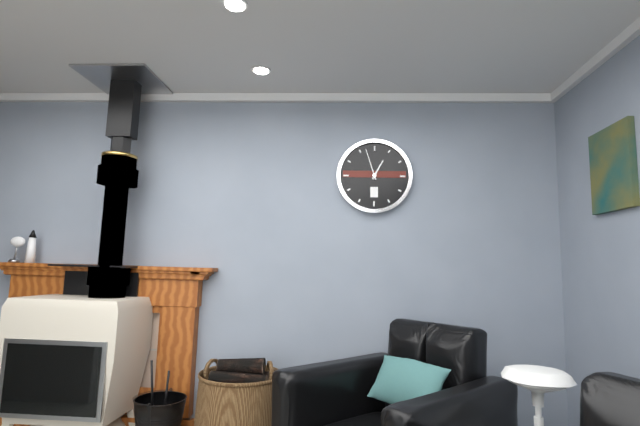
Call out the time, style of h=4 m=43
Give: h=12 m=57
